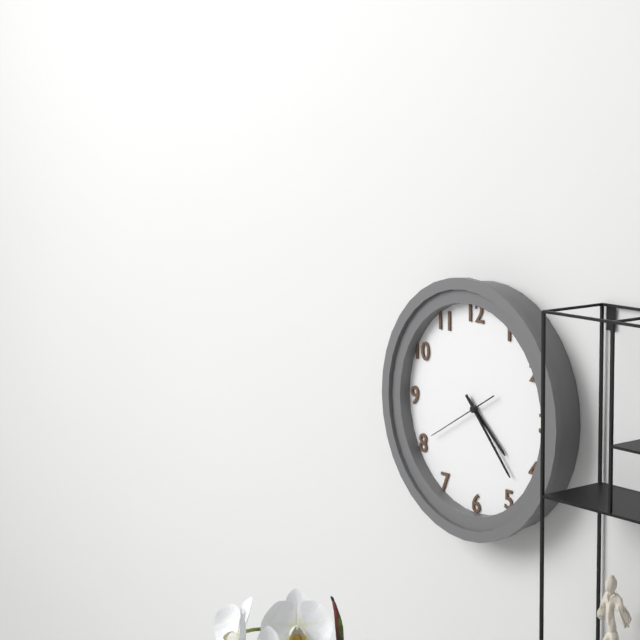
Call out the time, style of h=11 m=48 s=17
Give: h=4 m=23 s=40
